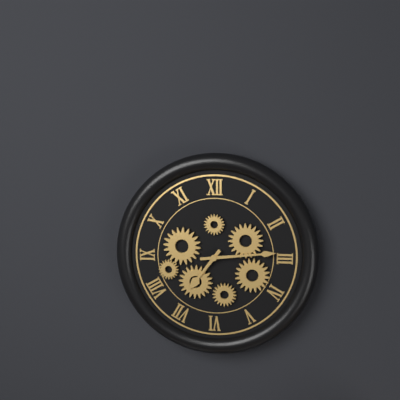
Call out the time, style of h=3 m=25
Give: h=7 m=14
